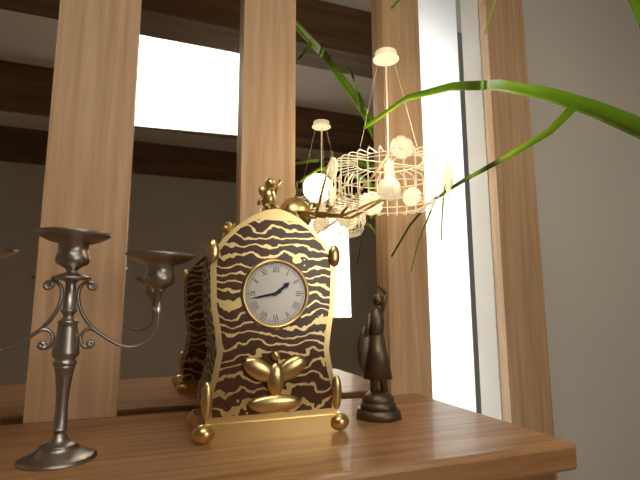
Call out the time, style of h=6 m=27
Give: h=1 m=43
